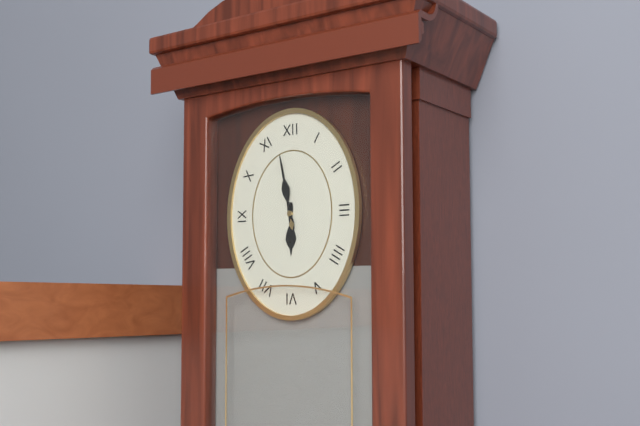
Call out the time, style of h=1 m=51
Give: h=5 m=58
